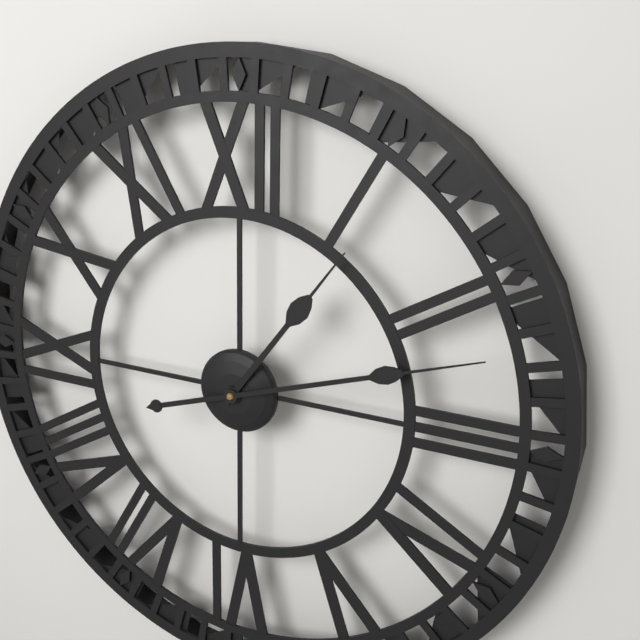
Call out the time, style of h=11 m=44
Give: h=1 m=12
